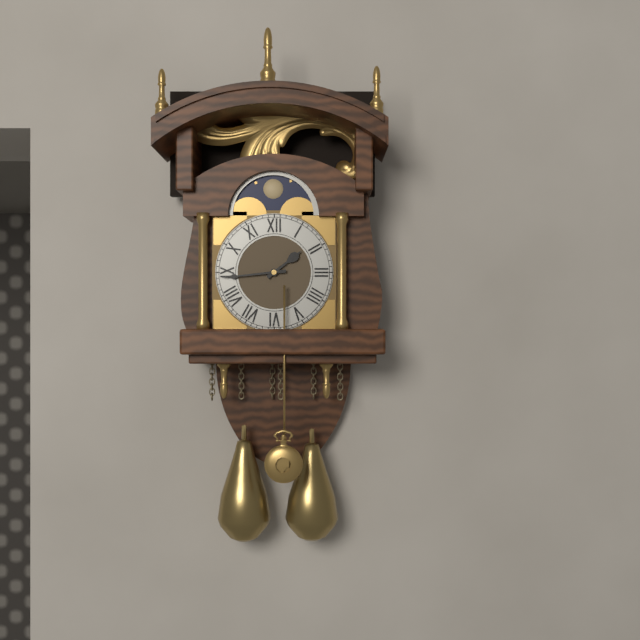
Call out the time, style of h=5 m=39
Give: h=1 m=44
